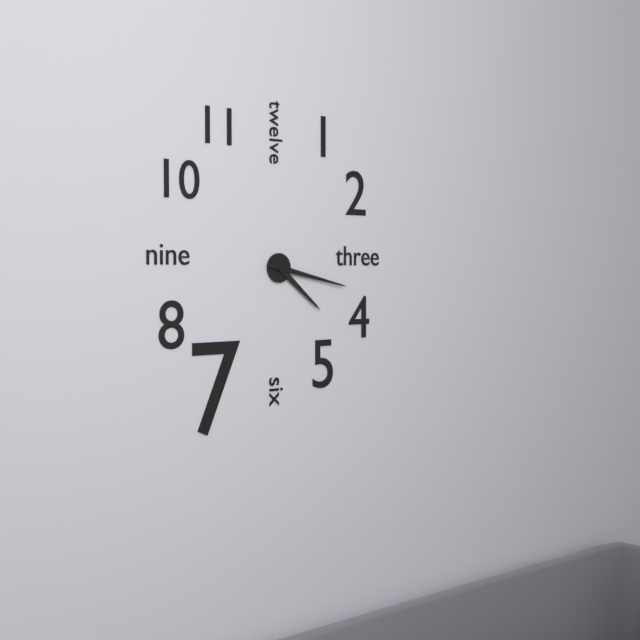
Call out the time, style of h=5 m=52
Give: h=4 m=17
